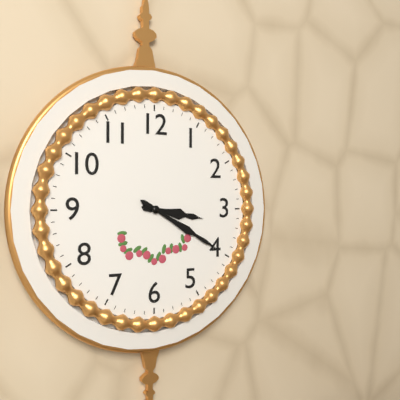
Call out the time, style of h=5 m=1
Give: h=3 m=20
